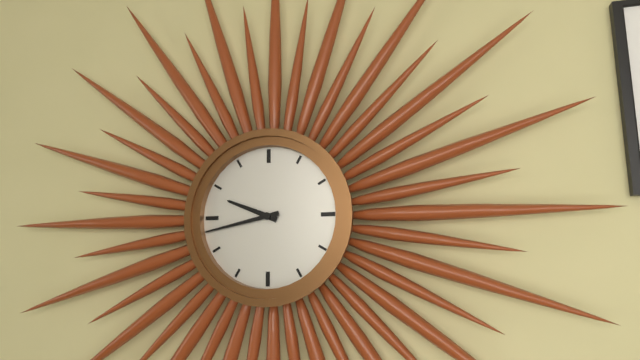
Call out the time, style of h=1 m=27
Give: h=9 m=43
